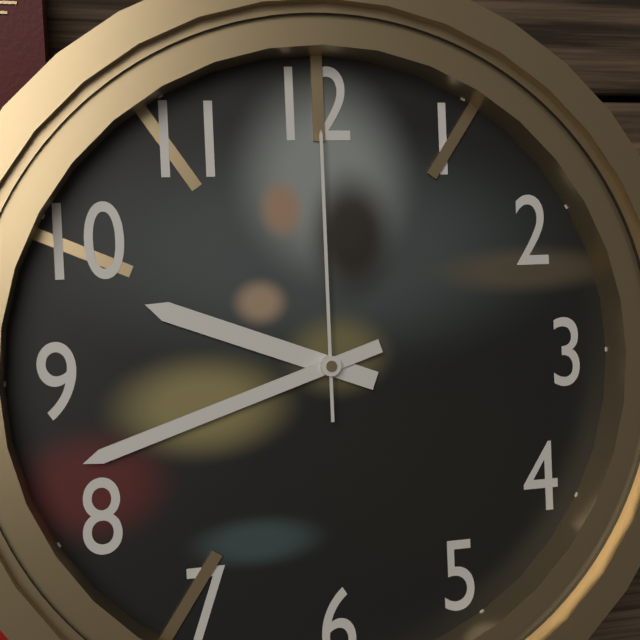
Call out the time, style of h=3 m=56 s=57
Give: h=9 m=42 s=0
